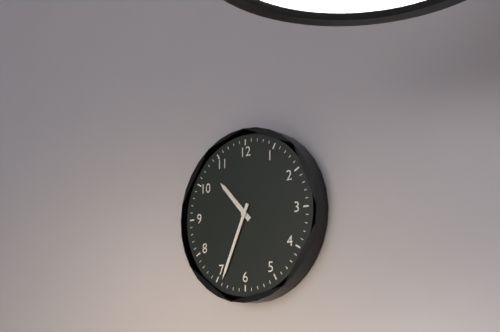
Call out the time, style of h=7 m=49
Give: h=10 m=34
